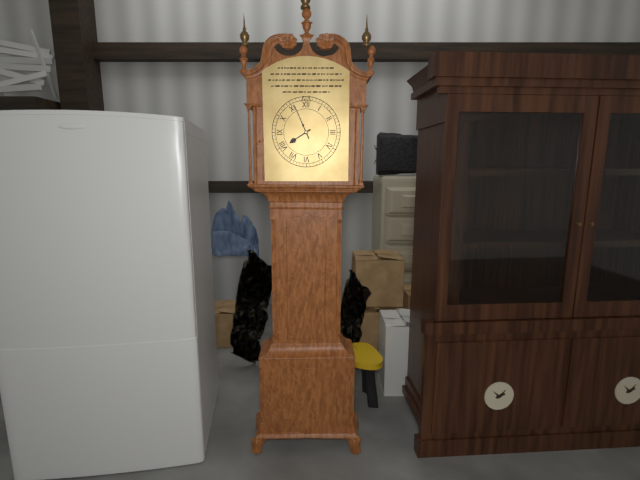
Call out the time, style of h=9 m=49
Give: h=7 m=56
